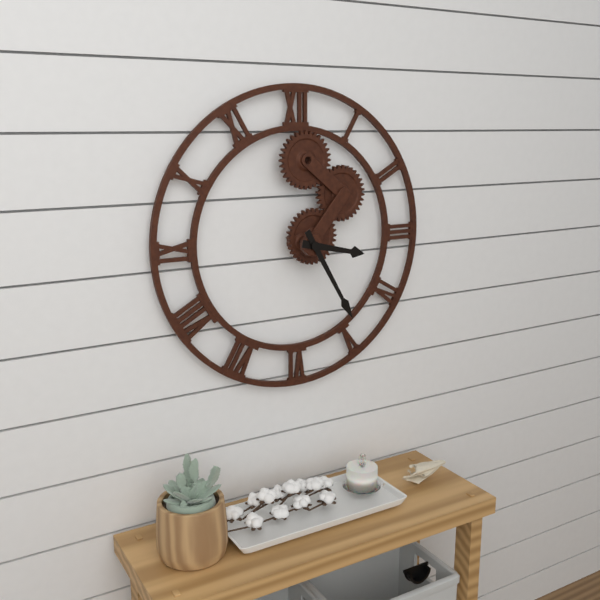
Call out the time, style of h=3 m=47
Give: h=3 m=25
